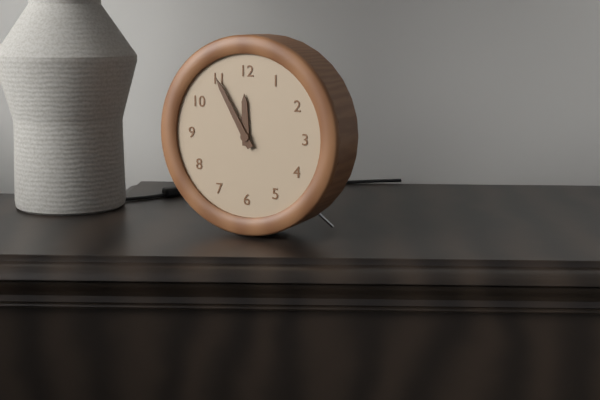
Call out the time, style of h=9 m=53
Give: h=11 m=55
